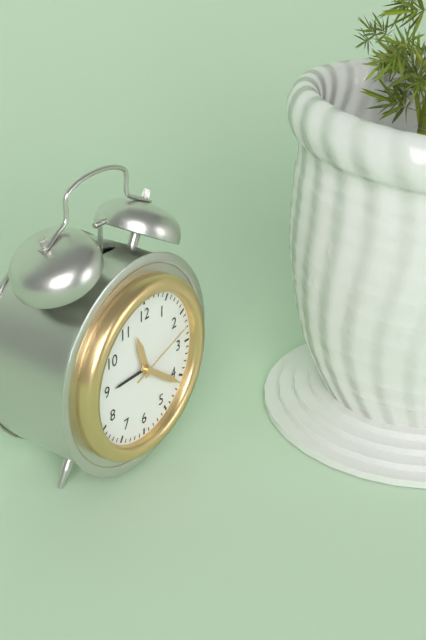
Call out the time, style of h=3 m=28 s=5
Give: h=11 m=21 s=12
